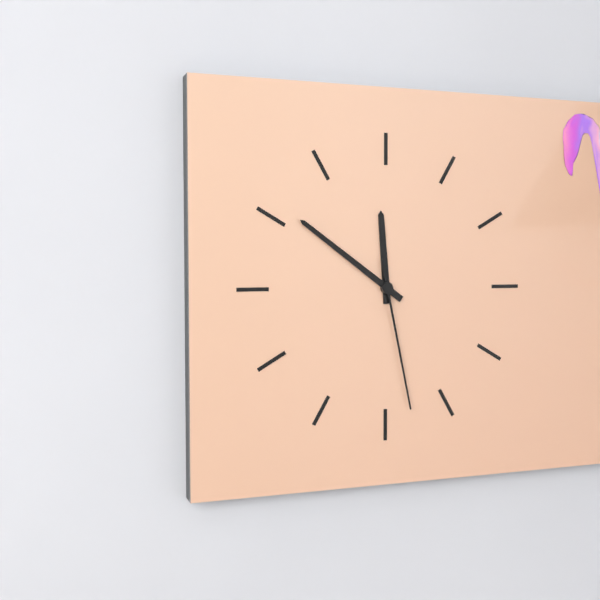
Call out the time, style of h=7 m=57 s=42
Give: h=11 m=51 s=28
